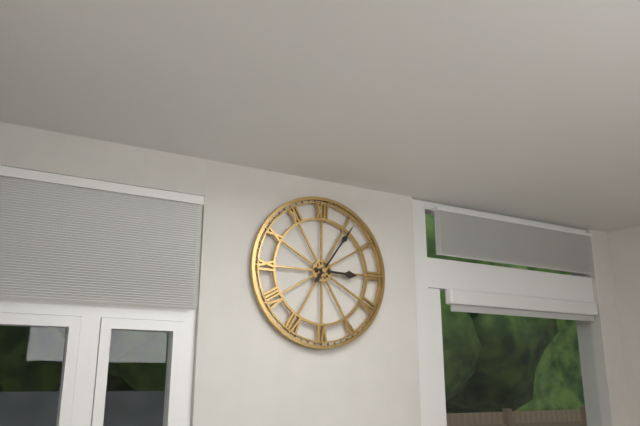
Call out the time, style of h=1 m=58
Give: h=3 m=6
